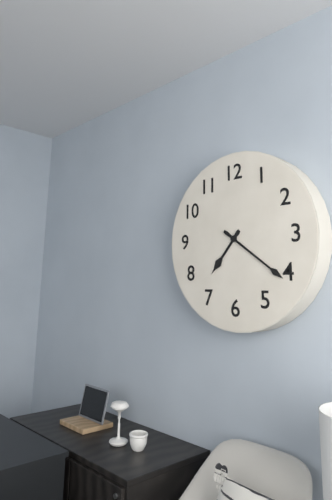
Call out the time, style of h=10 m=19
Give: h=7 m=21
